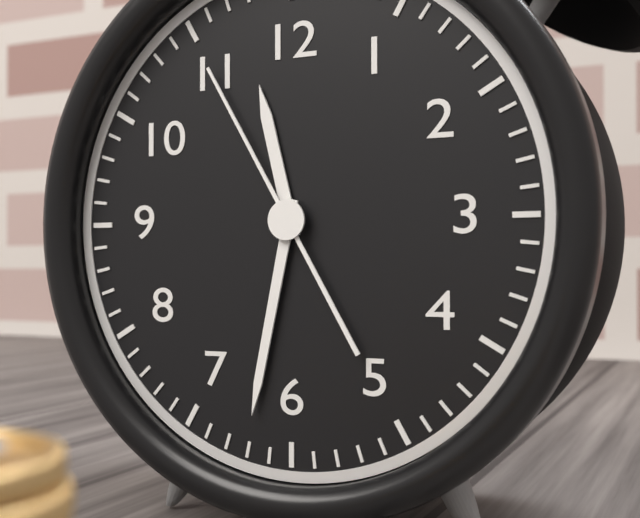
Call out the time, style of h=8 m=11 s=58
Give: h=11 m=32 s=55
